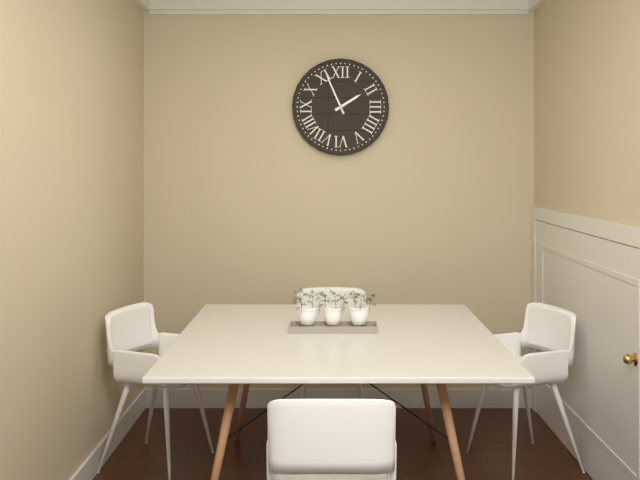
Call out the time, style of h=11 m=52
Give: h=1 m=56
